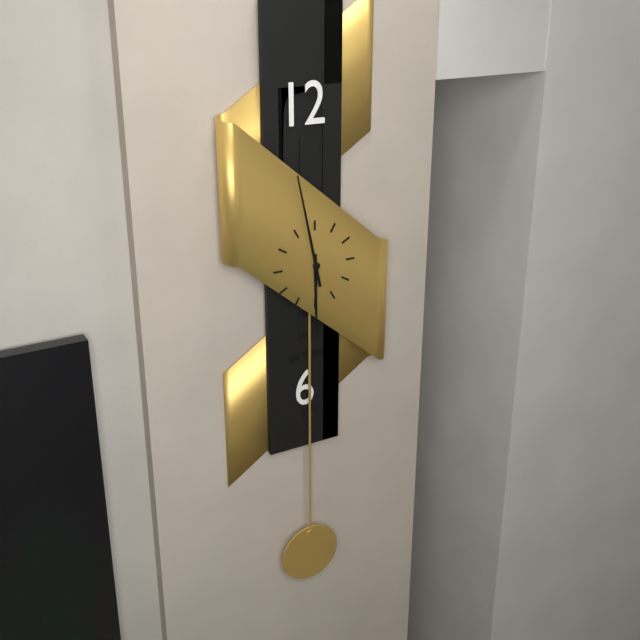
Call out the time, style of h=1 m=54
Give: h=5 m=58
